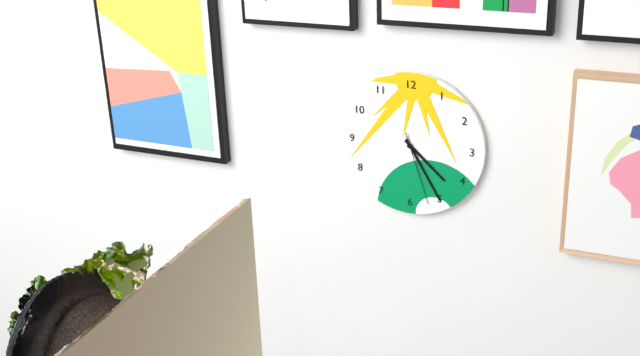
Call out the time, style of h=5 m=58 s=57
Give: h=4 m=25 s=27
